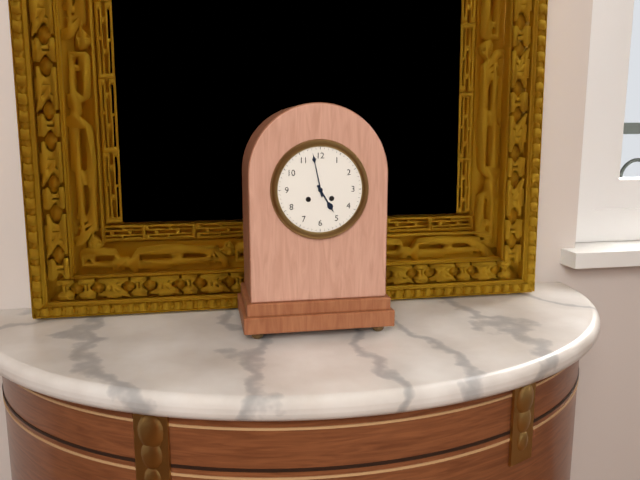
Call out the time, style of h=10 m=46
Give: h=4 m=58
